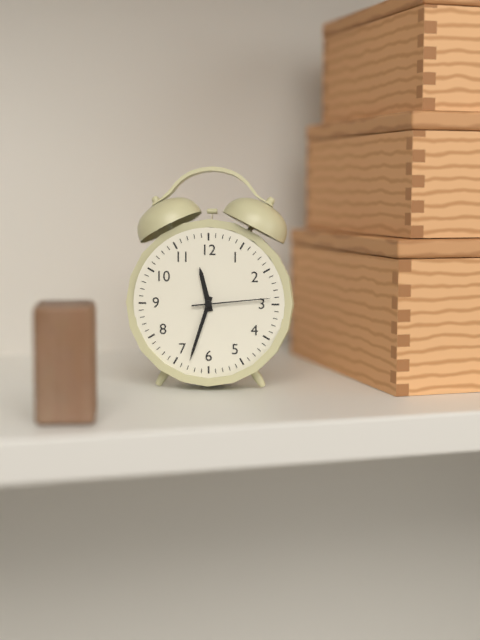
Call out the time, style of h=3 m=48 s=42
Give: h=11 m=33 s=14
